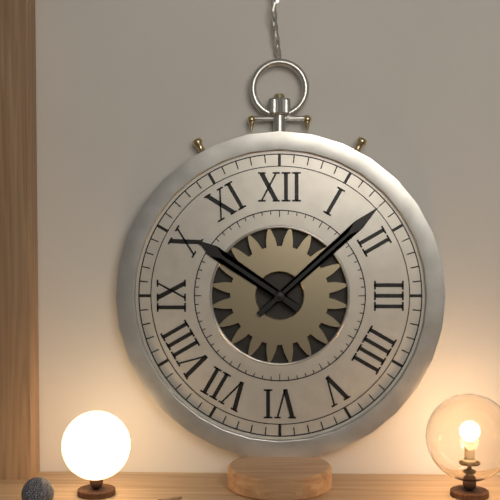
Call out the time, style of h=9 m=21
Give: h=10 m=8
